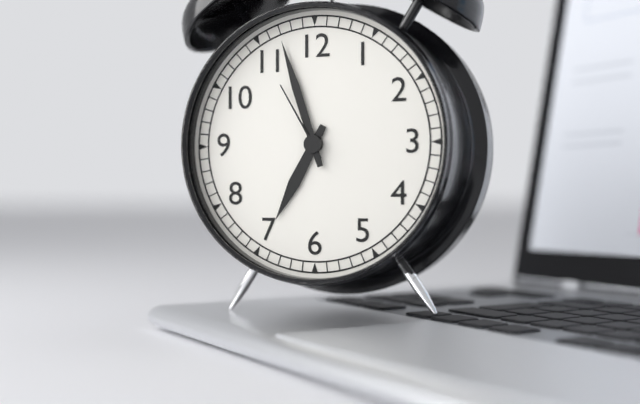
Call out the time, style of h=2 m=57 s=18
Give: h=6 m=57 s=55
